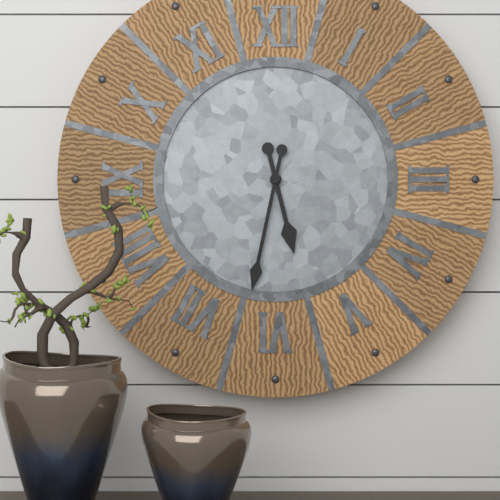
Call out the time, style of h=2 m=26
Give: h=5 m=32
